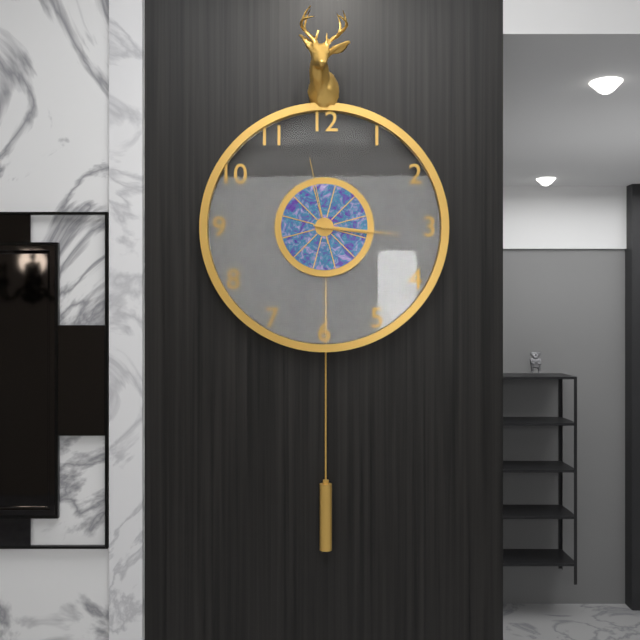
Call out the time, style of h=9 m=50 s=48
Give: h=3 m=16 s=58
